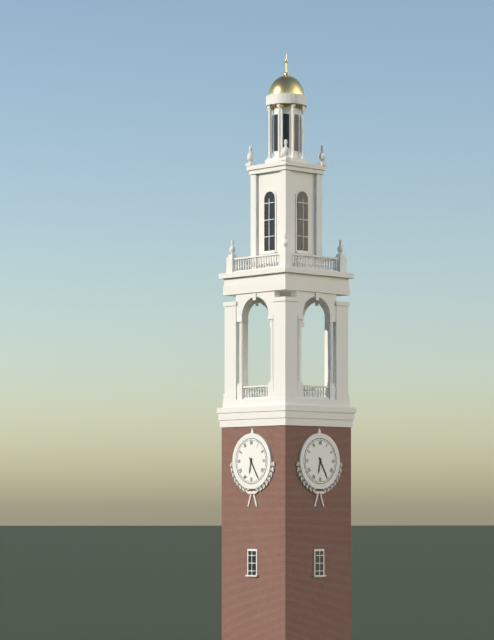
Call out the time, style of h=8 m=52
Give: h=6 m=25
